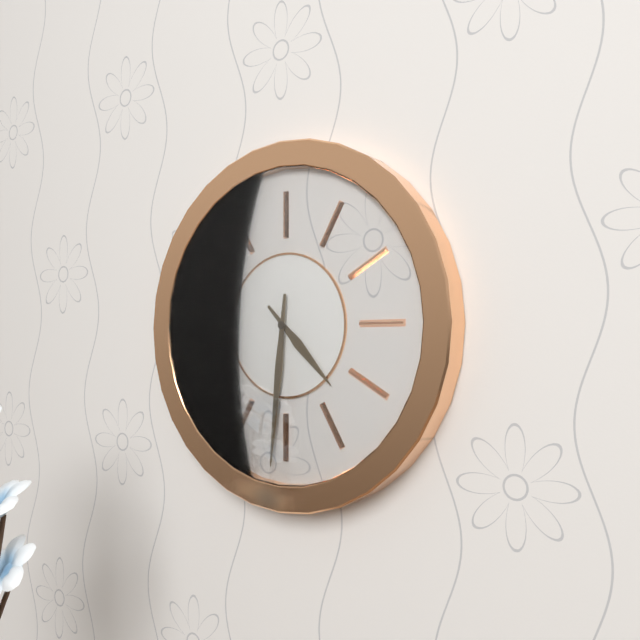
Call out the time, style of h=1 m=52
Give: h=4 m=31
